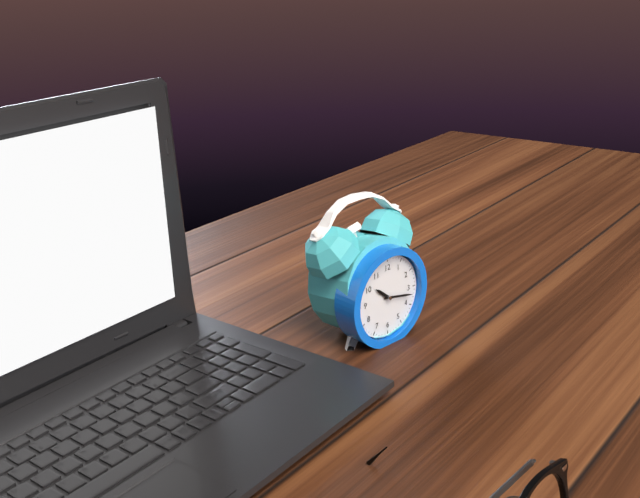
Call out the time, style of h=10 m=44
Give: h=10 m=17
